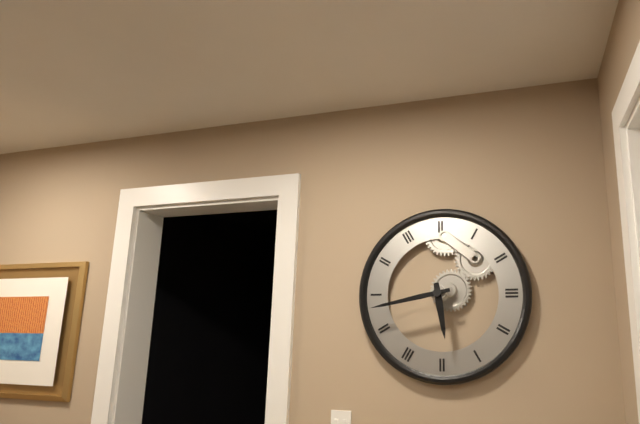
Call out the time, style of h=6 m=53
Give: h=5 m=43
